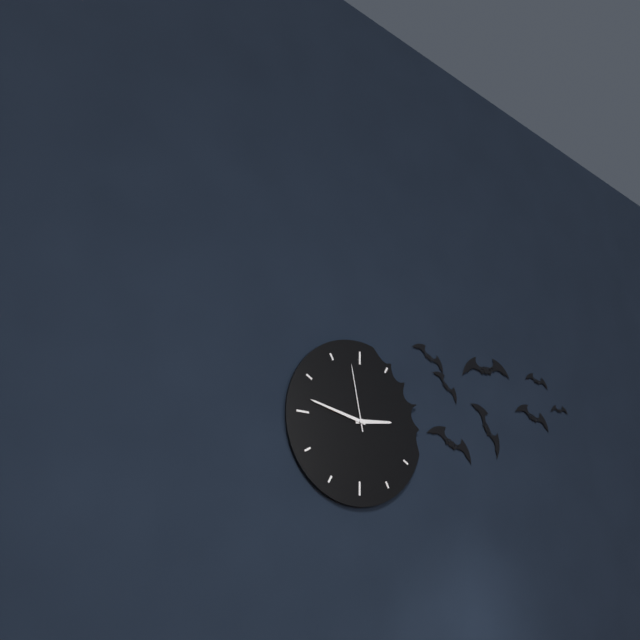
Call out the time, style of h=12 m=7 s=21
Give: h=2 m=47 s=58
